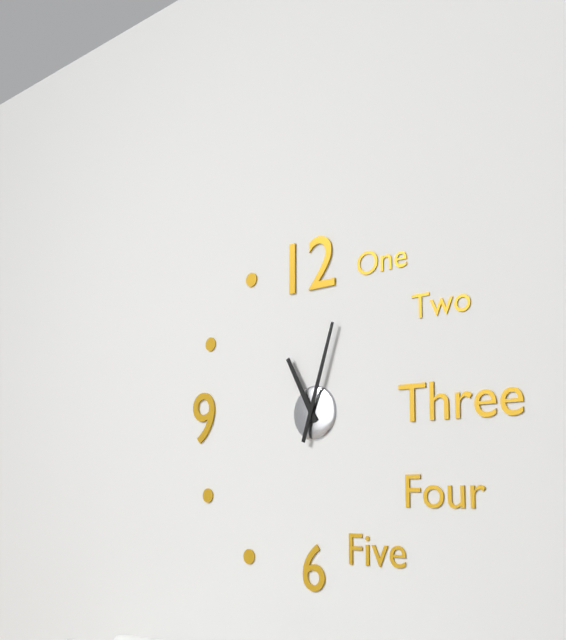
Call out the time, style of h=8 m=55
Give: h=11 m=3
